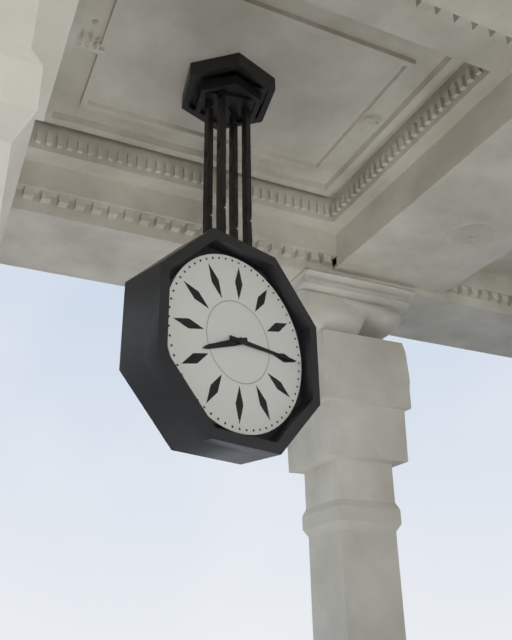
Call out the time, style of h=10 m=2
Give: h=8 m=15
